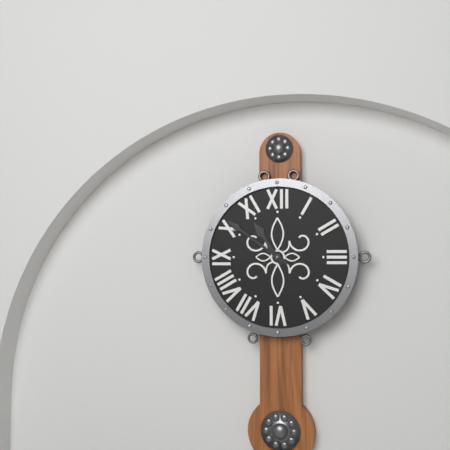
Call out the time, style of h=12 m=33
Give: h=10 m=51
